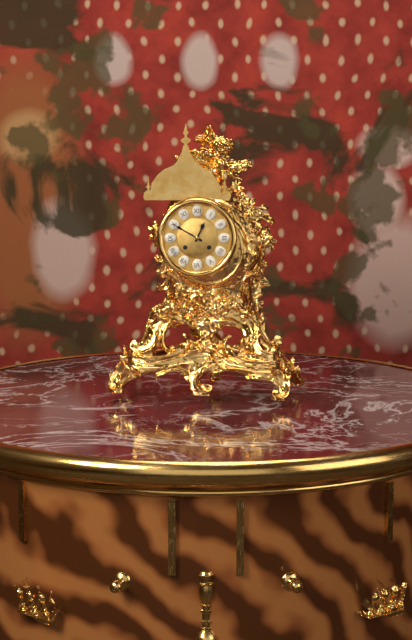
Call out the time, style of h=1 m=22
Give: h=12 m=50
